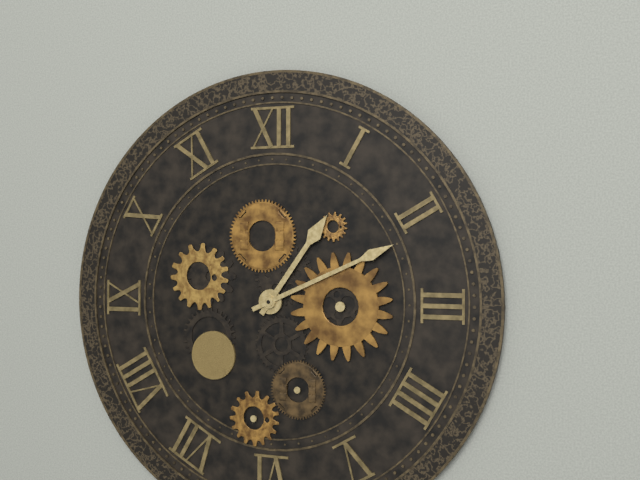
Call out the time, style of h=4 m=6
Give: h=1 m=11
